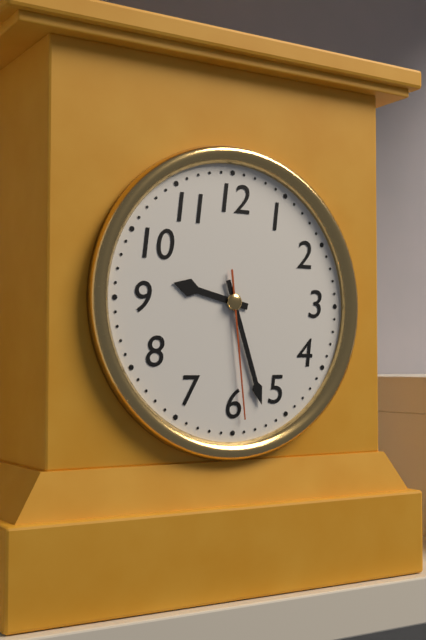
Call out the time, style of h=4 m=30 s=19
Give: h=9 m=27 s=29
